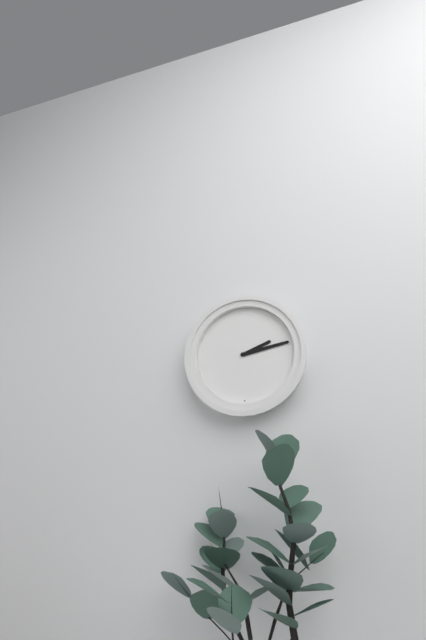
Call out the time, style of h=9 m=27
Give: h=2 m=13
